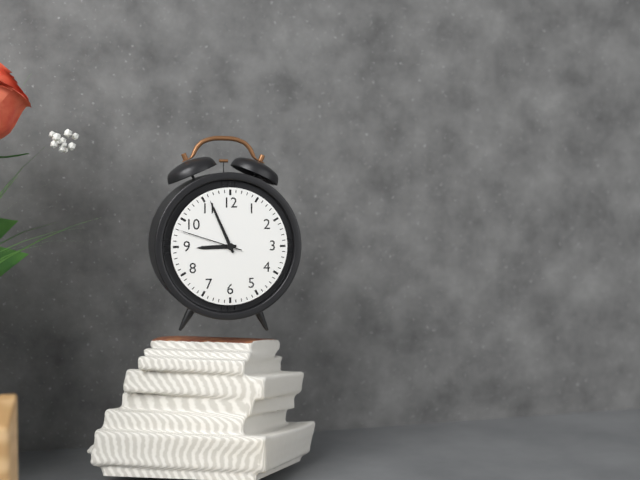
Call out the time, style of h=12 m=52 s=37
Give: h=8 m=56 s=48
